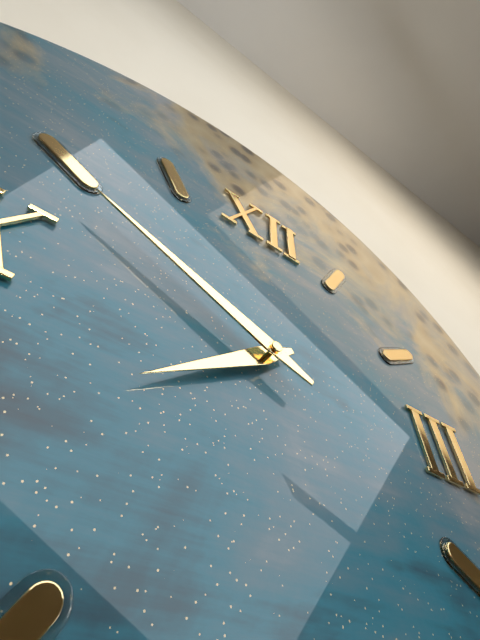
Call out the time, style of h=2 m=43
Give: h=7 m=49
